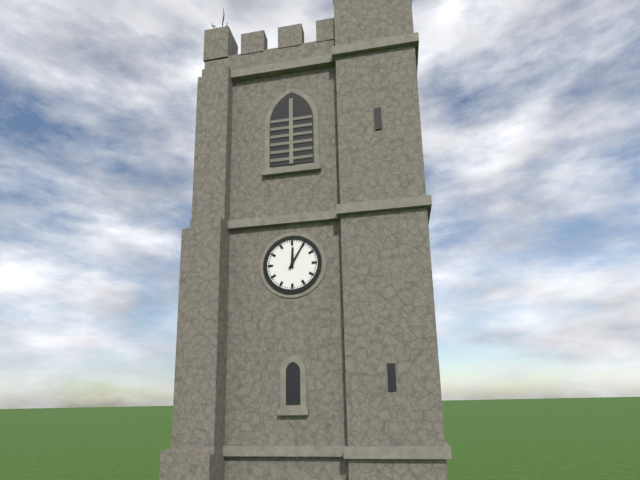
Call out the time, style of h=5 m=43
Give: h=12 m=5
